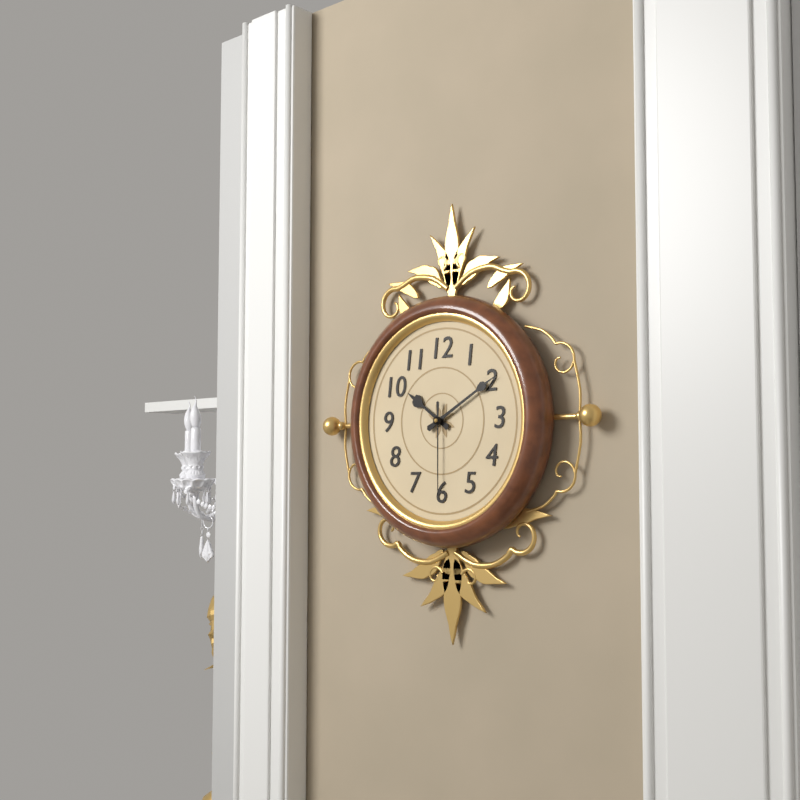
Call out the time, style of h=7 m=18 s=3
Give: h=10 m=10 s=30
